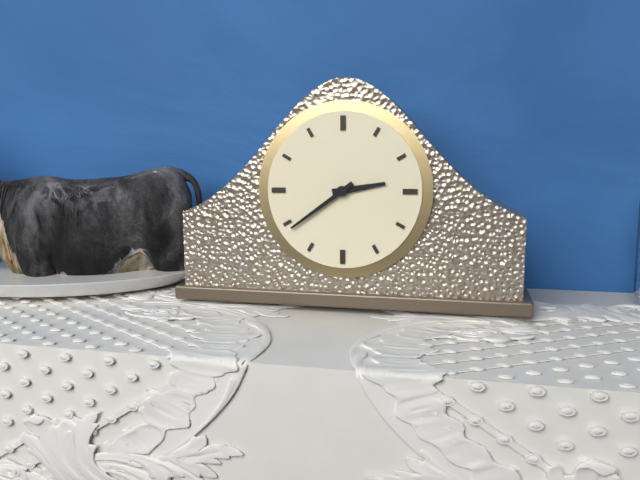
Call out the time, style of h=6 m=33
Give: h=2 m=39
